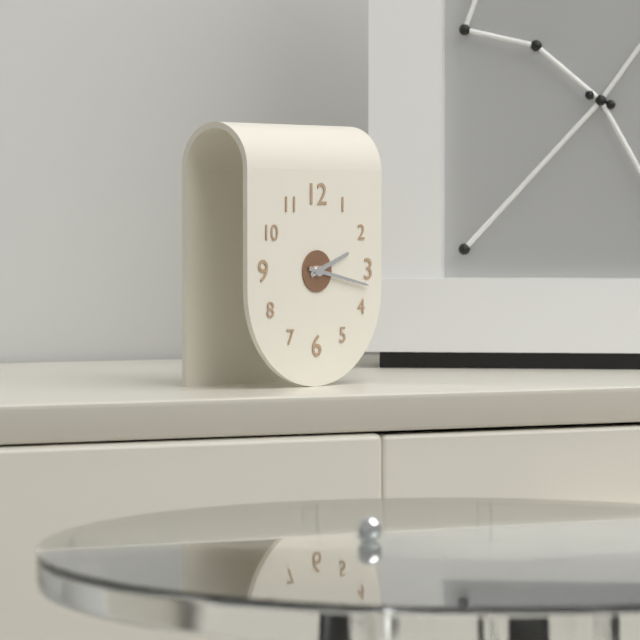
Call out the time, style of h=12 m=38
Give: h=2 m=17
